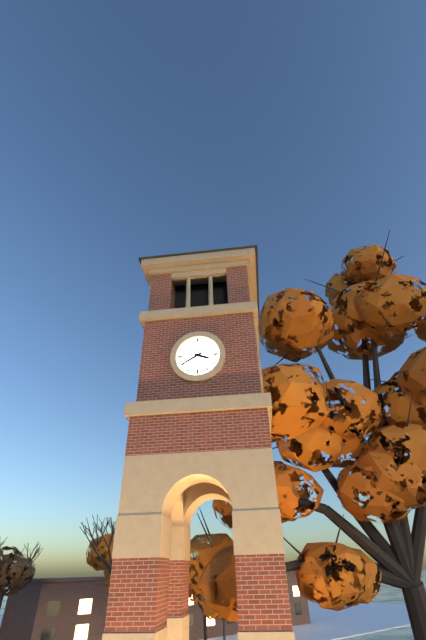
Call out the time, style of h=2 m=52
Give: h=3 m=40
